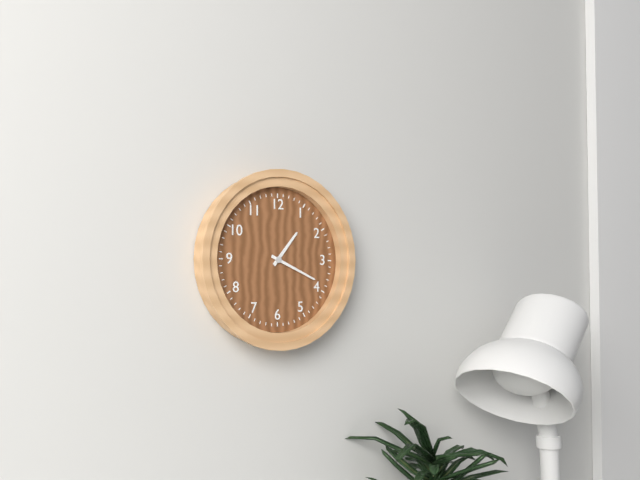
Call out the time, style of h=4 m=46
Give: h=1 m=19
